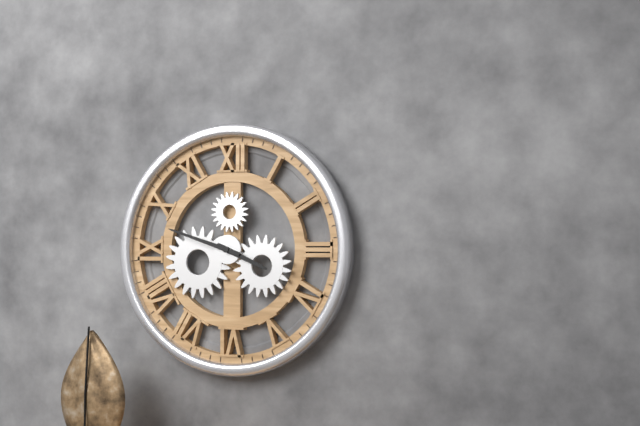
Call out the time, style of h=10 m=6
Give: h=3 m=48
